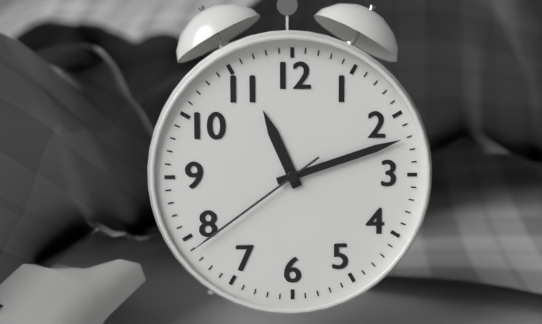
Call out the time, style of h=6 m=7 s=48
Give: h=11 m=12 s=39
